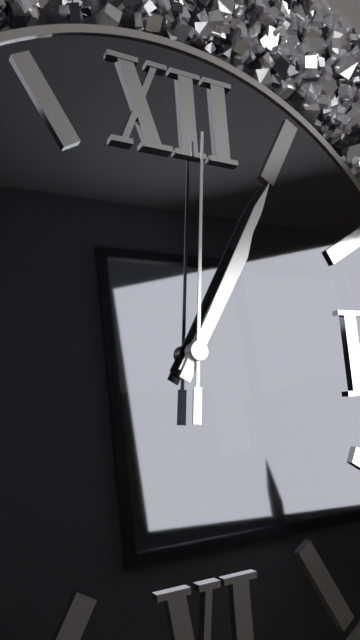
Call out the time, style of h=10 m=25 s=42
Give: h=1 m=5 s=1
